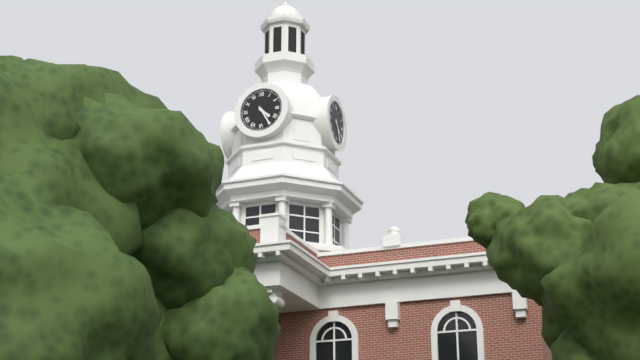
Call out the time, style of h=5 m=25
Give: h=4 m=25
